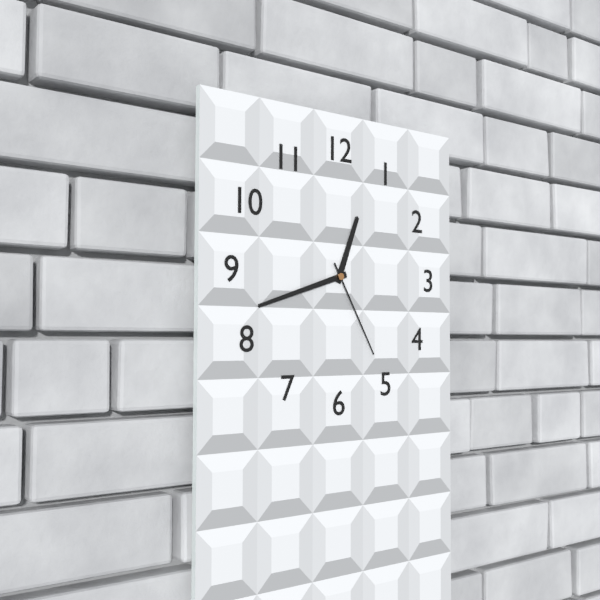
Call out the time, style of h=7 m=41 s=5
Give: h=12 m=42 s=25
